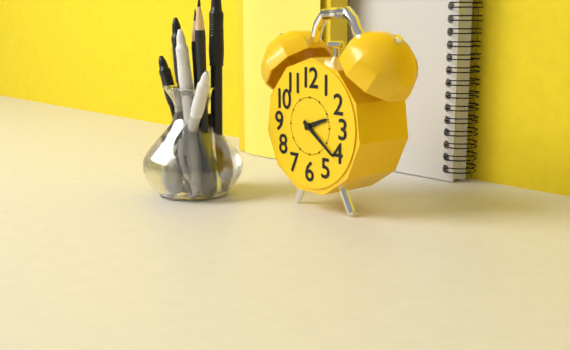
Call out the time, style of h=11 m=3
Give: h=2 m=21
